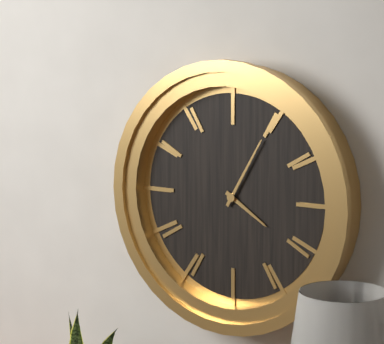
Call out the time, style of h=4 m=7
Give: h=4 m=5
